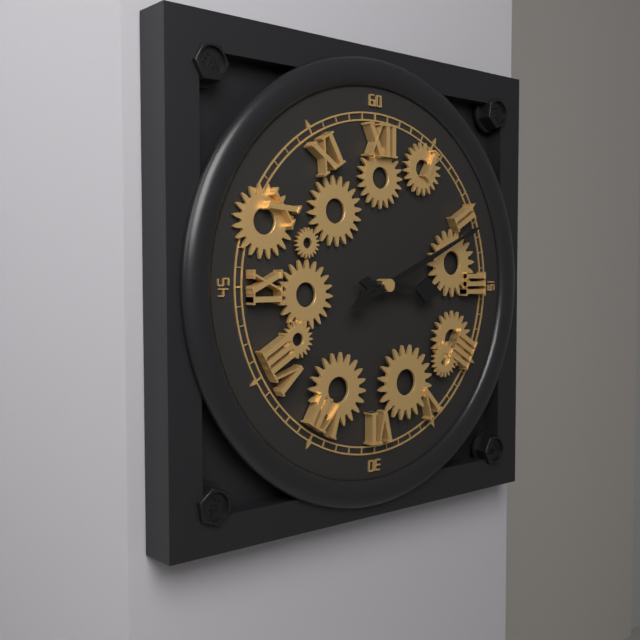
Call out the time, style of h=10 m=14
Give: h=3 m=11
